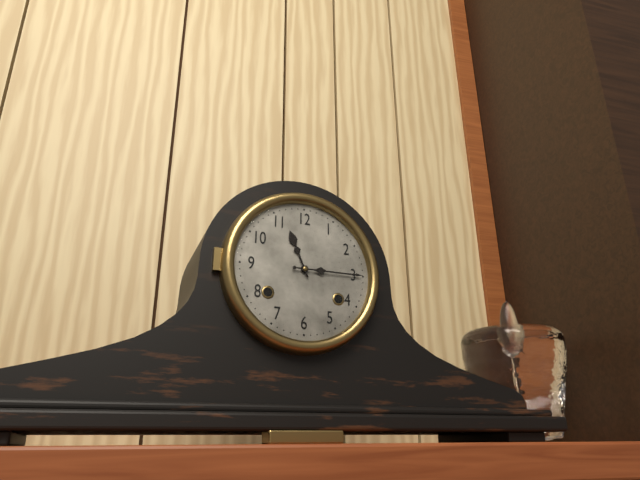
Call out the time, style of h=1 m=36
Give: h=11 m=15
